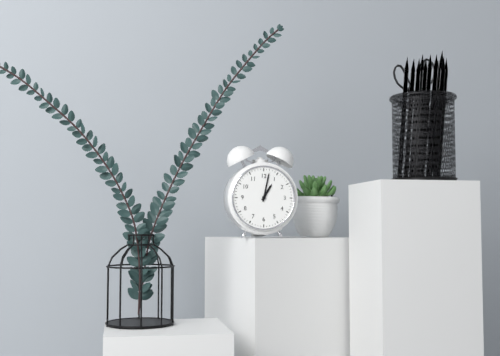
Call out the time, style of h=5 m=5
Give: h=1 m=2
